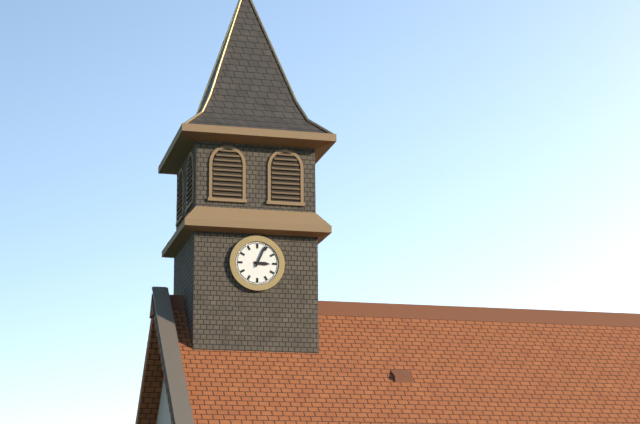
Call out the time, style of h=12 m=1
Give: h=3 m=4
